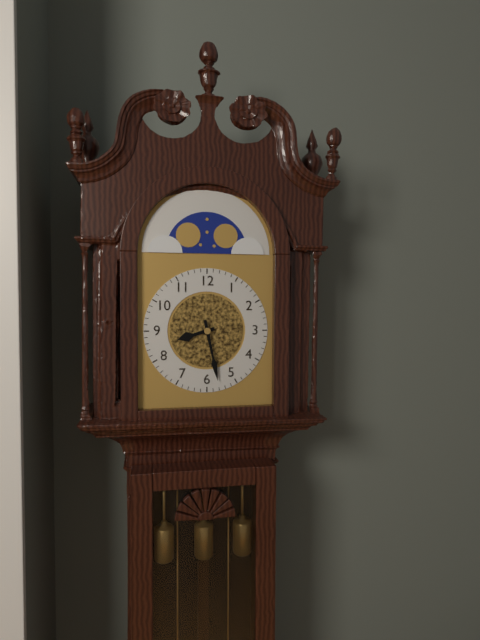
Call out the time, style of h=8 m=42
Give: h=8 m=28
